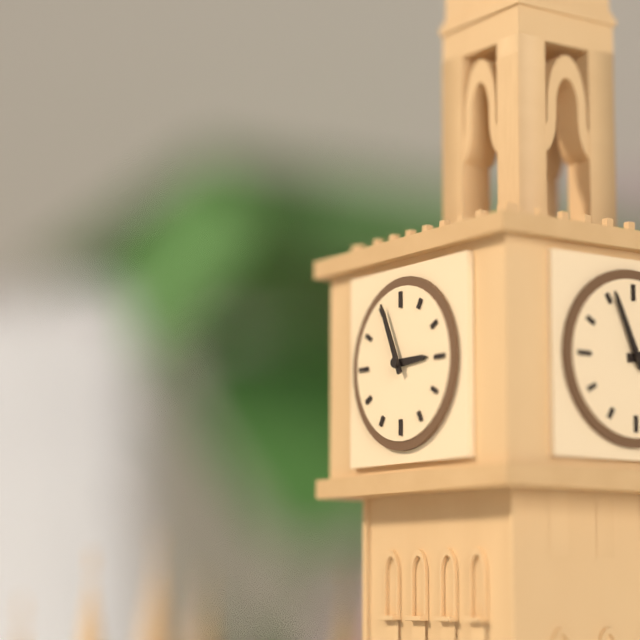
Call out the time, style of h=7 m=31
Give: h=2 m=56
